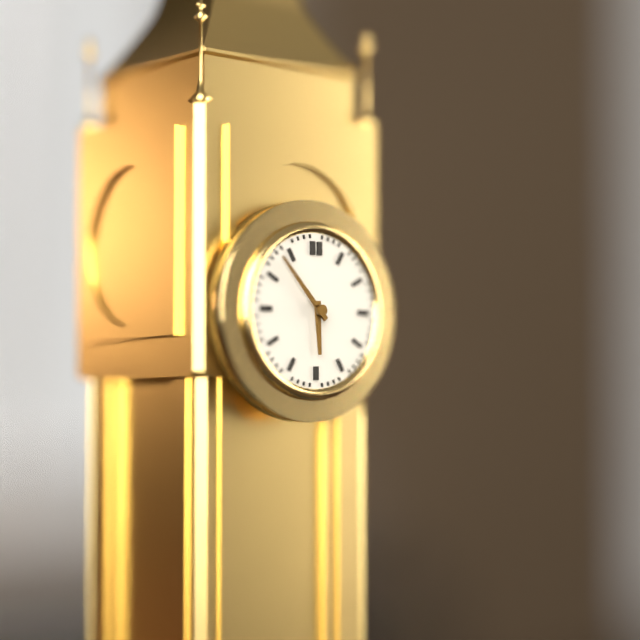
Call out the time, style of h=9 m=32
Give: h=5 m=53
